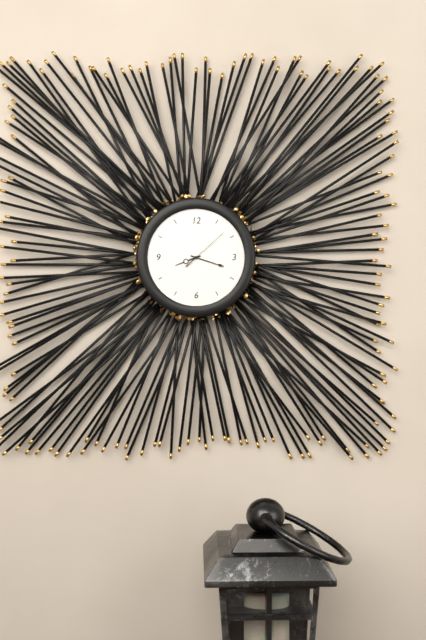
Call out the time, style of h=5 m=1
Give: h=8 m=18
